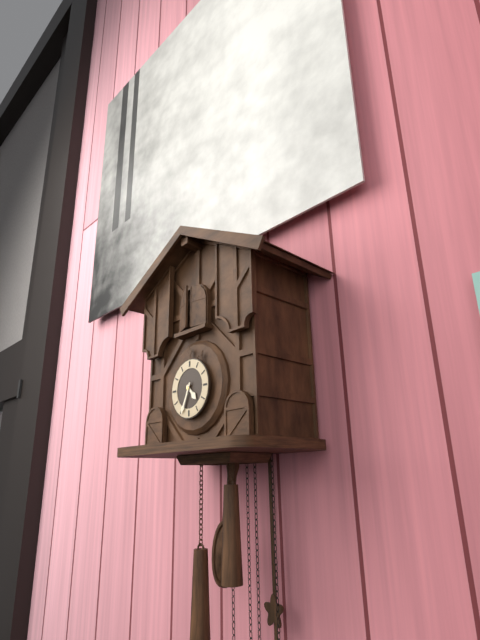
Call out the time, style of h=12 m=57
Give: h=4 m=34
